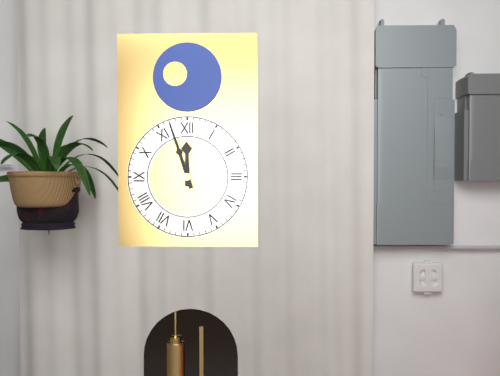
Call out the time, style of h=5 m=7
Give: h=11 m=57
